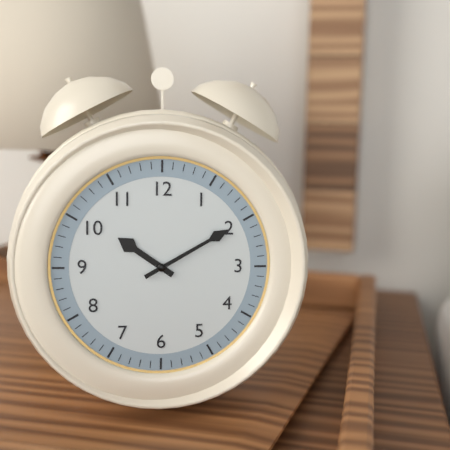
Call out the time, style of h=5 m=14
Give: h=10 m=10
